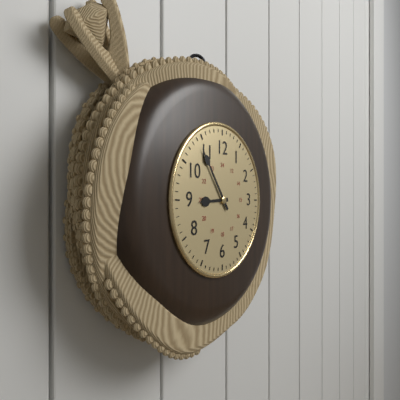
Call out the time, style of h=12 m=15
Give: h=8 m=54
